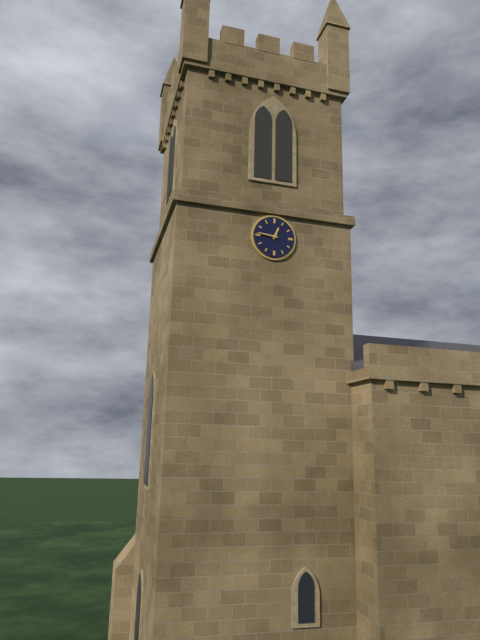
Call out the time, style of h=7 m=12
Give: h=12 m=46
